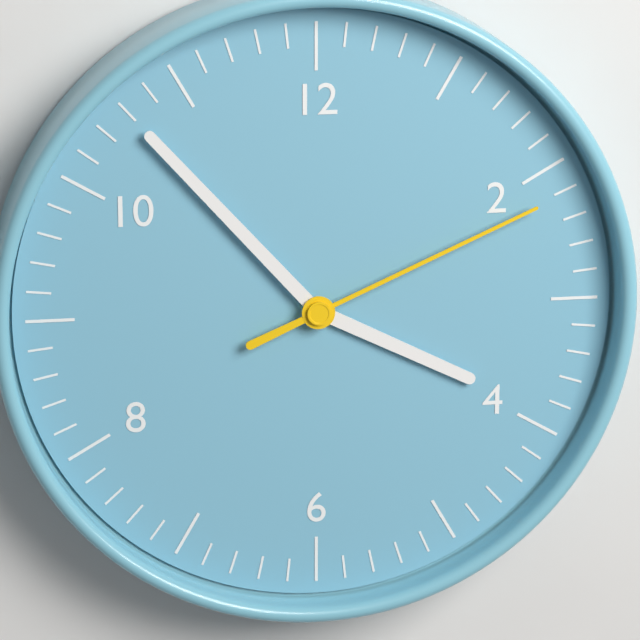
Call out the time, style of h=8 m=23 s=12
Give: h=3 m=53 s=11
